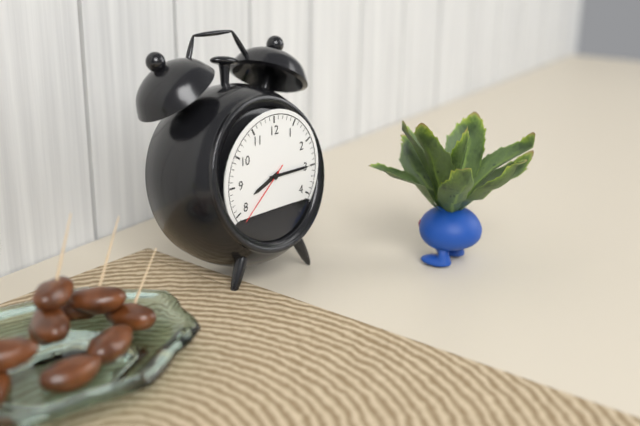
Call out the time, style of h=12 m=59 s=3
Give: h=8 m=15 s=38
